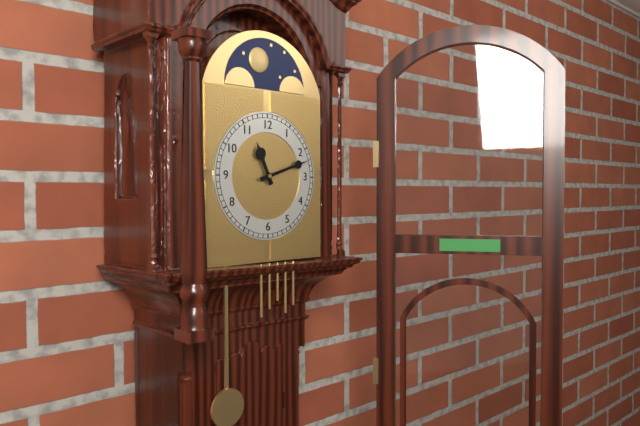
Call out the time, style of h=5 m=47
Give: h=11 m=12
